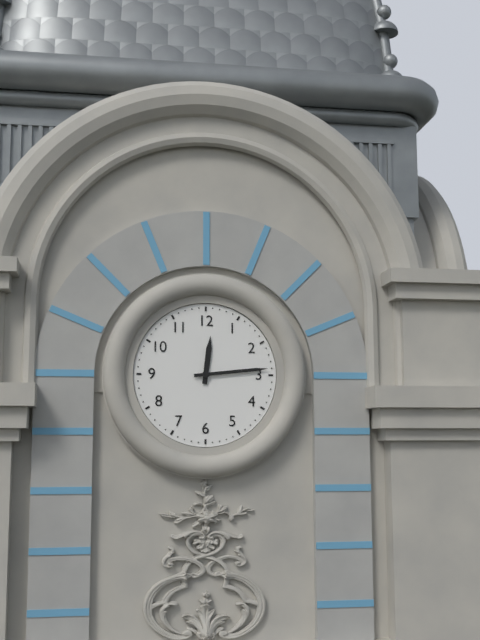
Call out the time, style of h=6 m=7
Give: h=12 m=14
